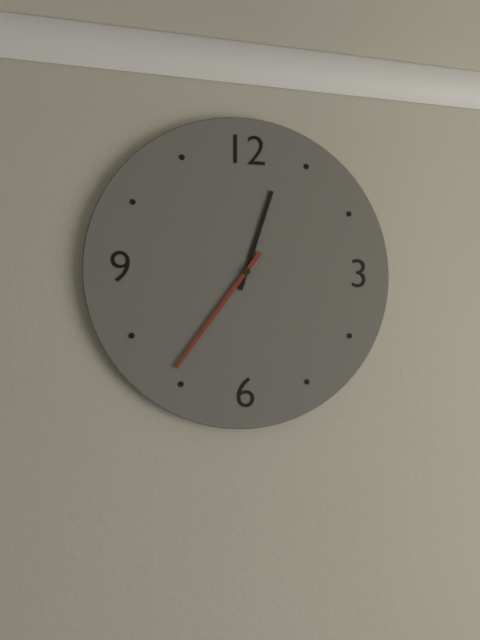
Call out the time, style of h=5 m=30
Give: h=12 m=36
